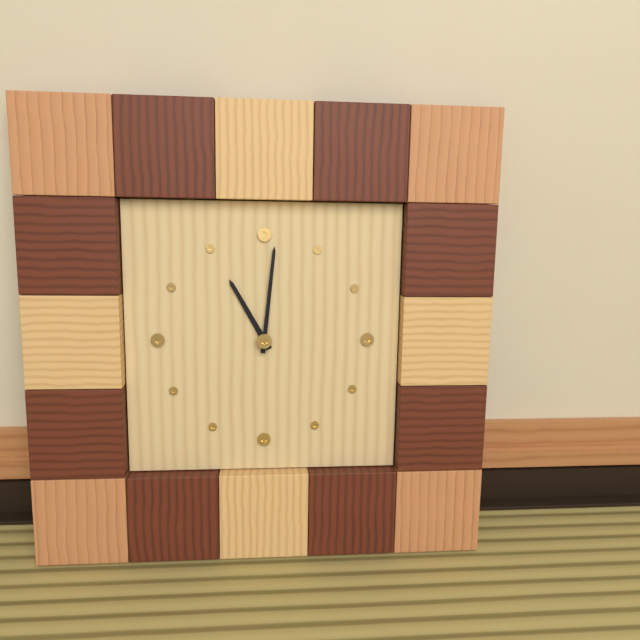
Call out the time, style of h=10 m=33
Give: h=11 m=1
